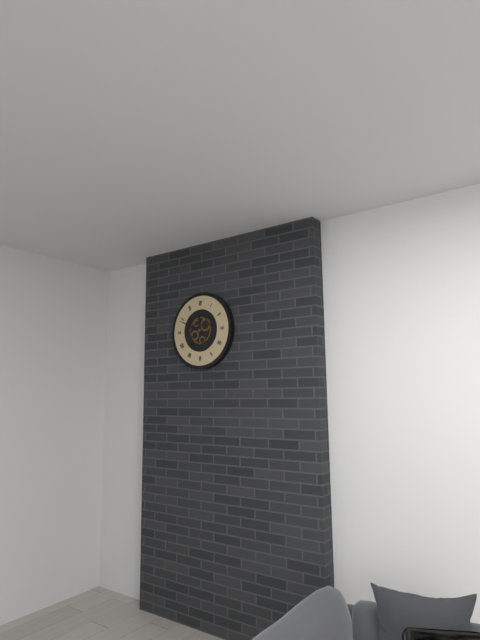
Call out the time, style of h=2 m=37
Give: h=11 m=49
